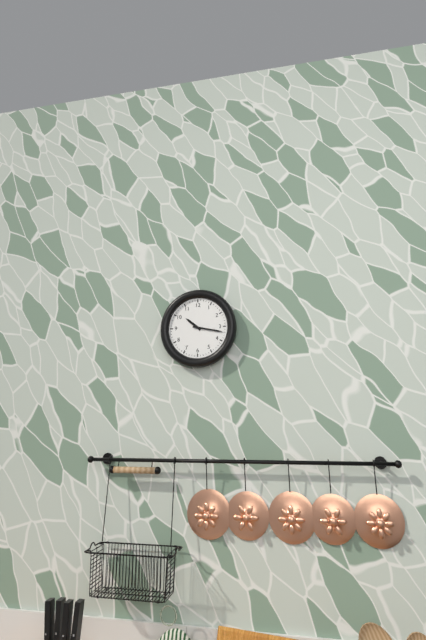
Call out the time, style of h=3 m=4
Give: h=10 m=17
